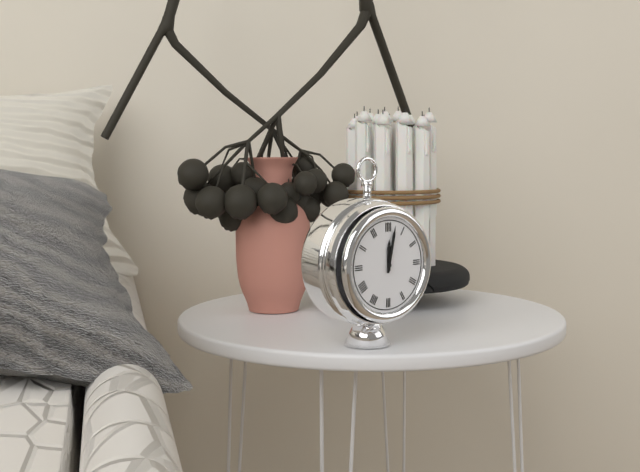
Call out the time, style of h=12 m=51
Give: h=12 m=2
